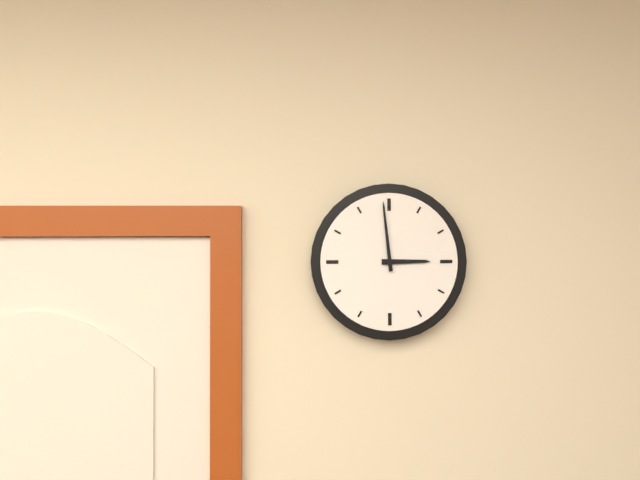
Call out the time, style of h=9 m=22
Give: h=2 m=59
